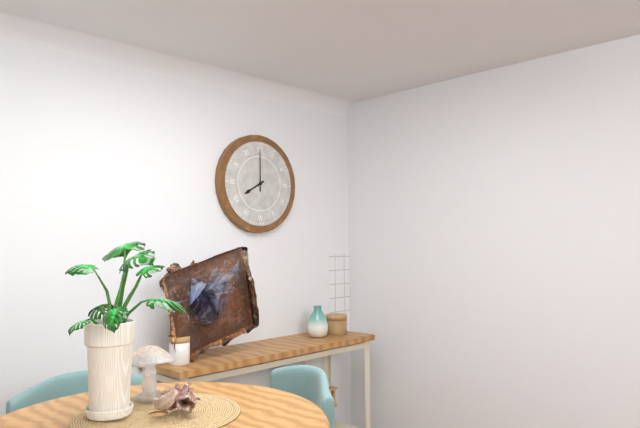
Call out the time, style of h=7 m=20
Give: h=8 m=0
